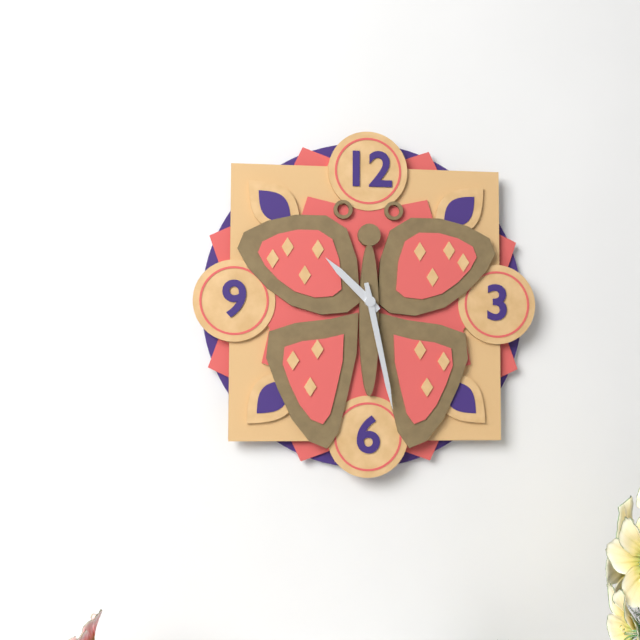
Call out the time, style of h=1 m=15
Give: h=10 m=28
